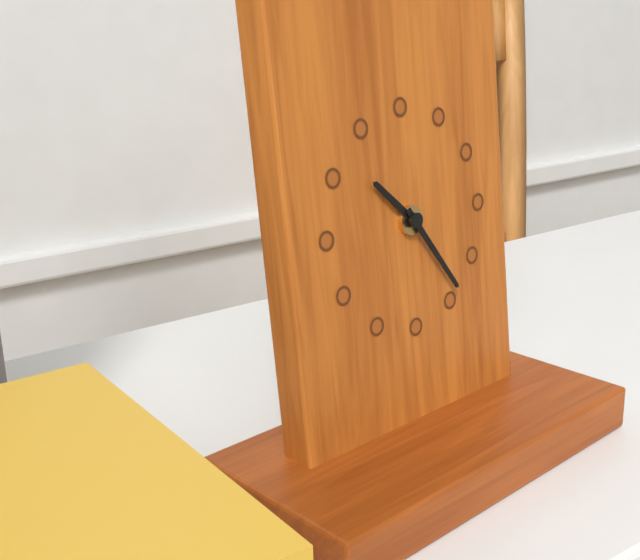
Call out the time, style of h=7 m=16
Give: h=10 m=24
